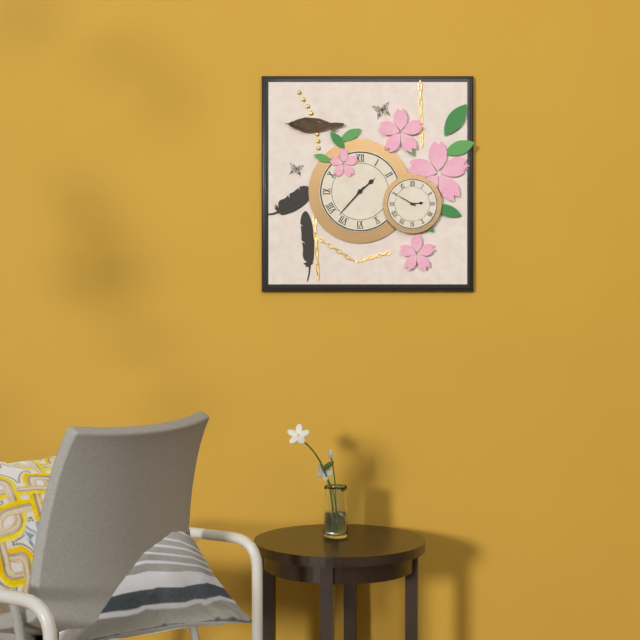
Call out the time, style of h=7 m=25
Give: h=1 m=37
